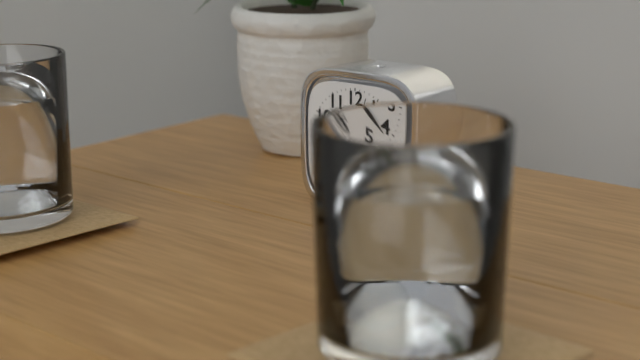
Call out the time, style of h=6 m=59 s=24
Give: h=6 m=21 s=3
